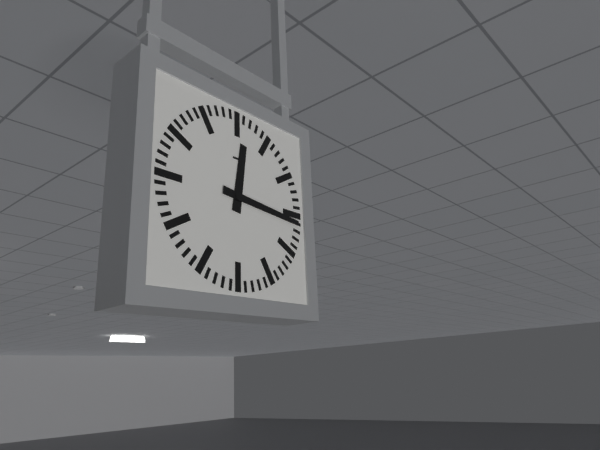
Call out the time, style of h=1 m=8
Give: h=12 m=16
